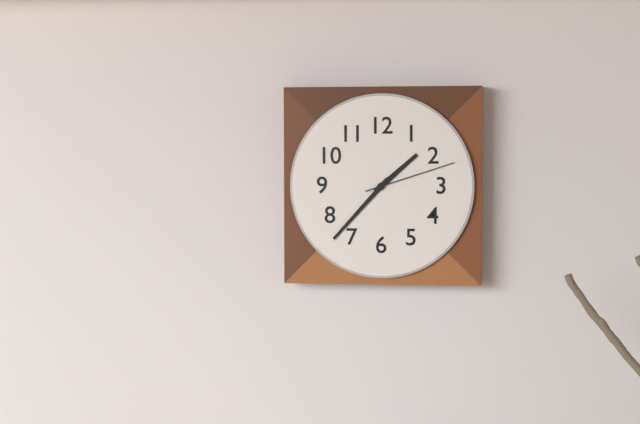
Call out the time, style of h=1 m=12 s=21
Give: h=1 m=37 s=12
